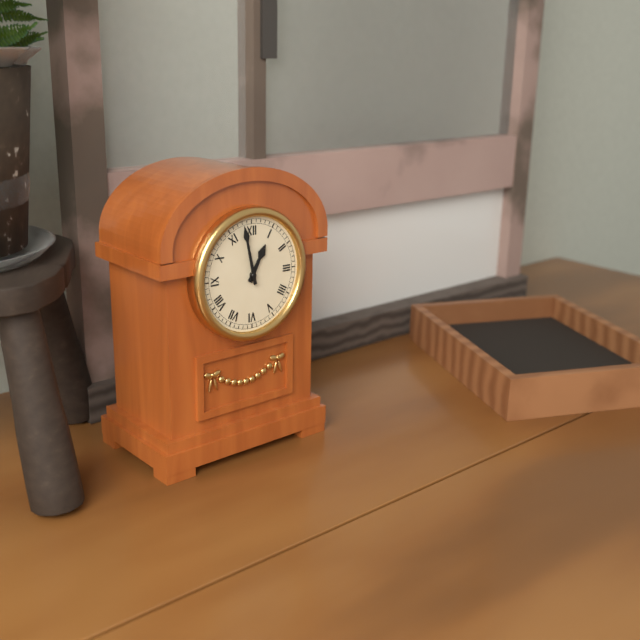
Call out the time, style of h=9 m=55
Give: h=12 m=58
